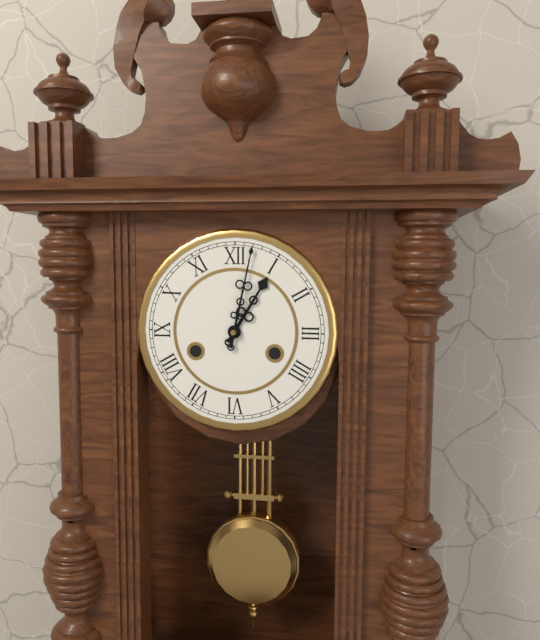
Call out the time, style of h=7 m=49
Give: h=1 m=2
